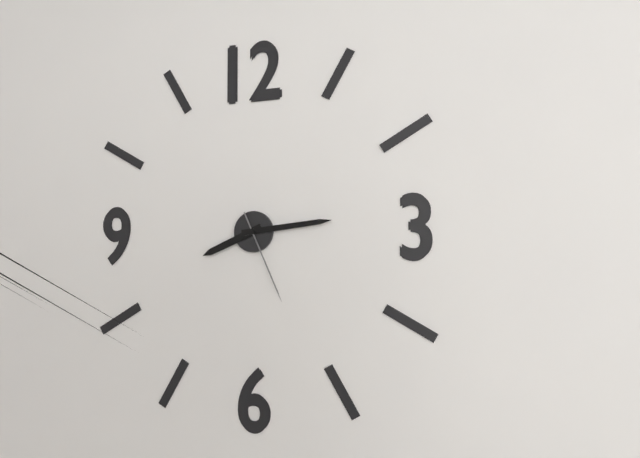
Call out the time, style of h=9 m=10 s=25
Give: h=8 m=14 s=26
